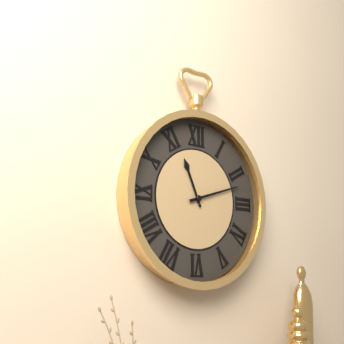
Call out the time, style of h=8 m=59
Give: h=11 m=12
